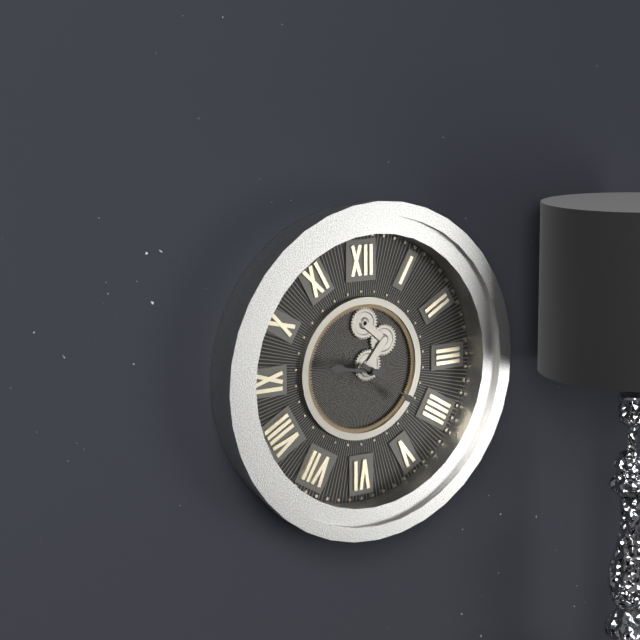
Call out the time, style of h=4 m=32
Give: h=9 m=21
